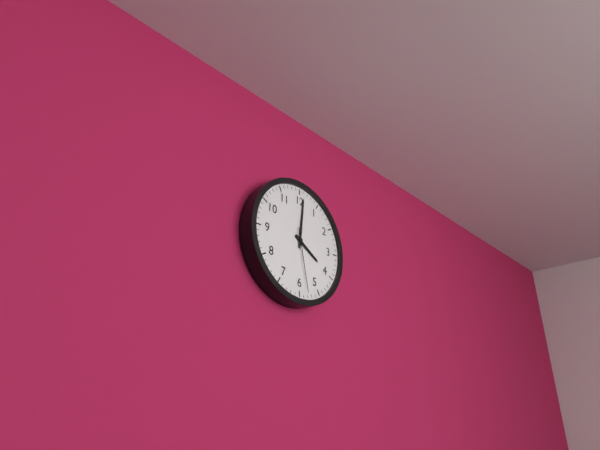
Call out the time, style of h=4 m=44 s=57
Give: h=4 m=1 s=28
